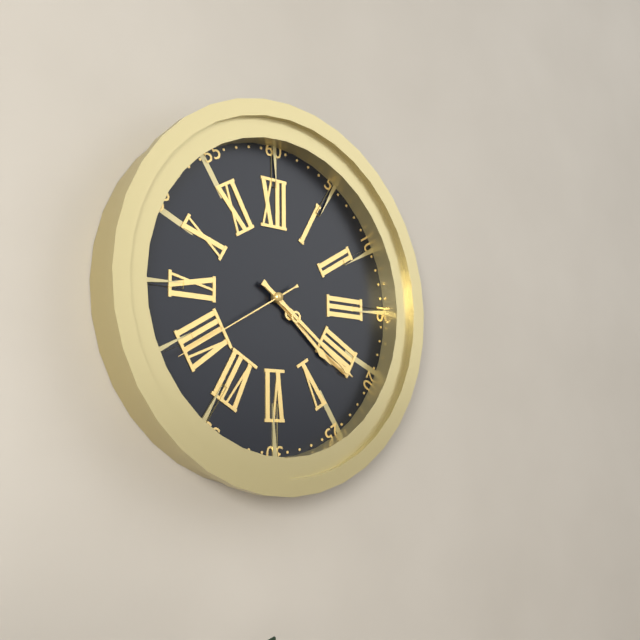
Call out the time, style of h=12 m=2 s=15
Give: h=4 m=21 s=40
